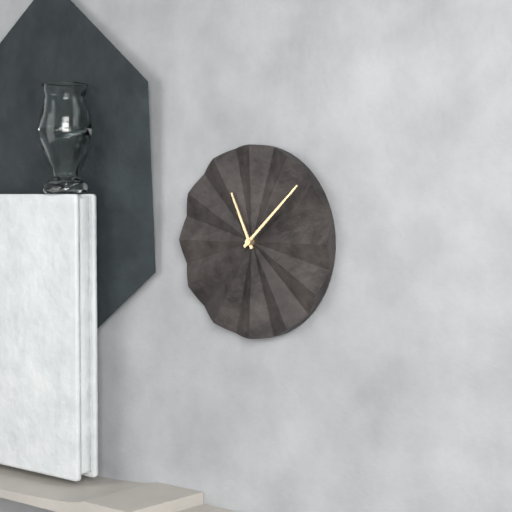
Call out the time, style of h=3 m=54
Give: h=11 m=8
